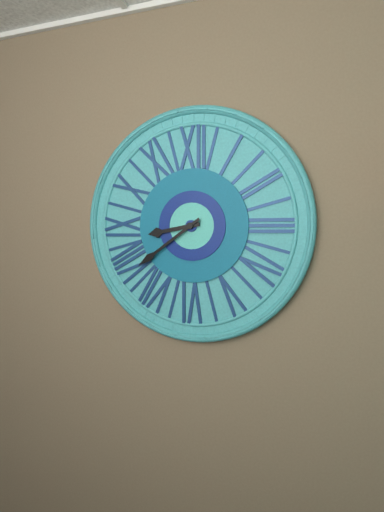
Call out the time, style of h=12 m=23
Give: h=8 m=39
